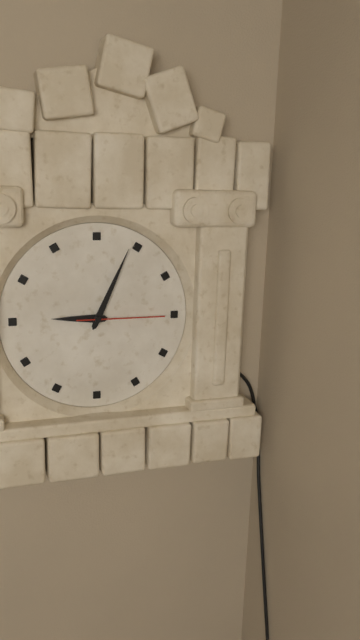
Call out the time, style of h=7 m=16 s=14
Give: h=9 m=4 s=15
